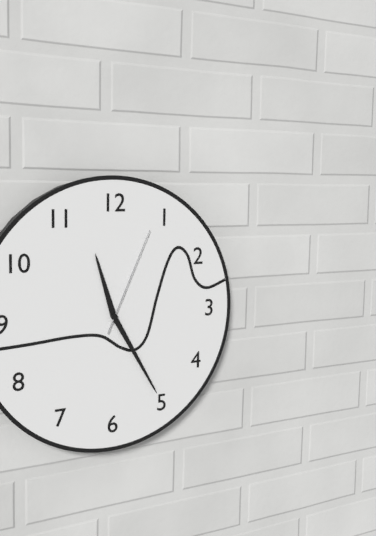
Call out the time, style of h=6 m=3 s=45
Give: h=11 m=25 s=4
